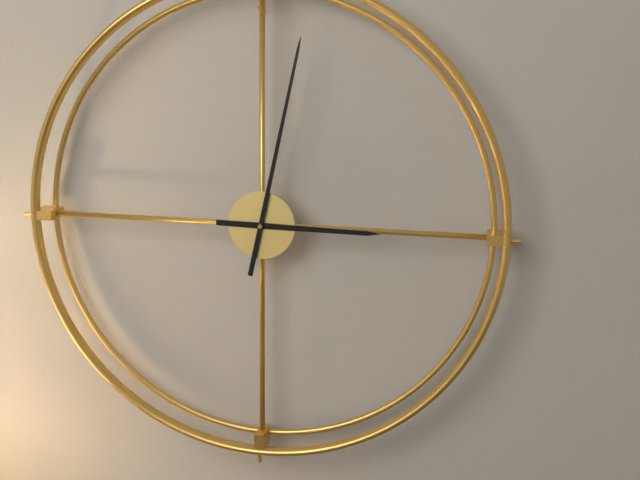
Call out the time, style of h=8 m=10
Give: h=3 m=2
